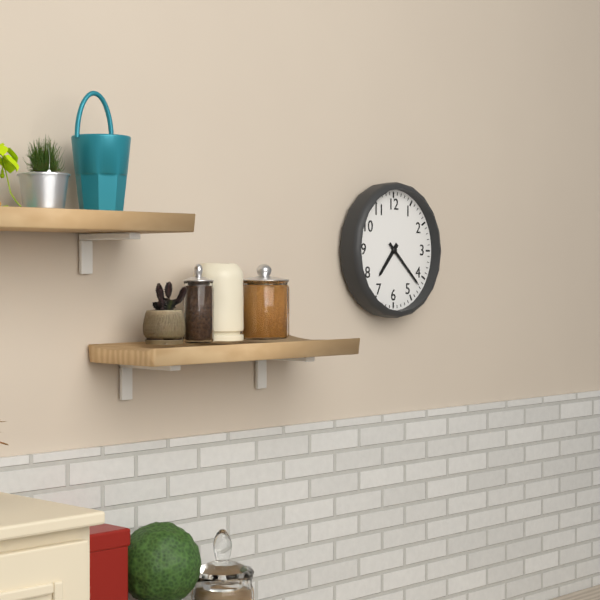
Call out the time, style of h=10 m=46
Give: h=7 m=22
